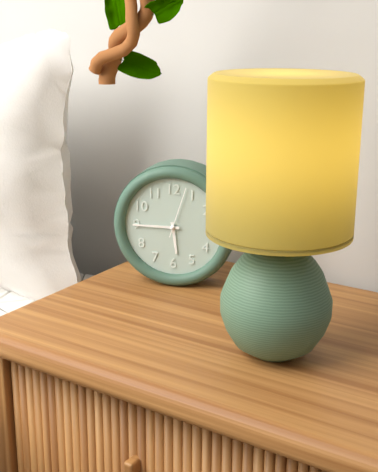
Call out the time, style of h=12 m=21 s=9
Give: h=5 m=45 s=3
